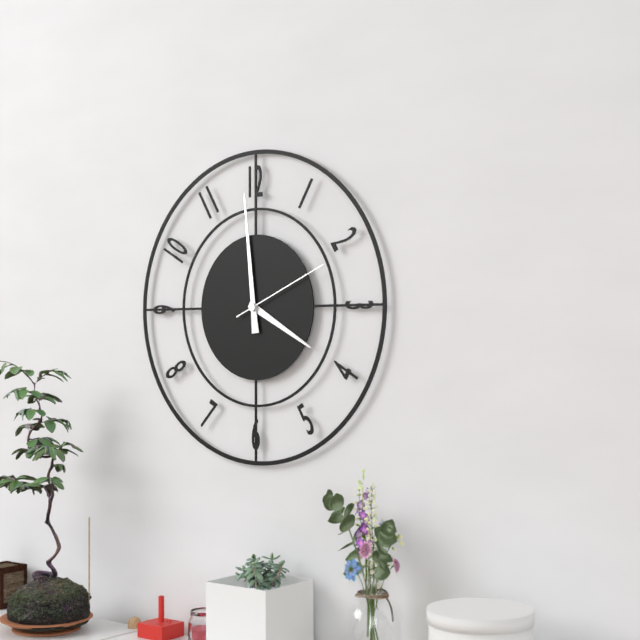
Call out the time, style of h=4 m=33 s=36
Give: h=3 m=59 s=11
